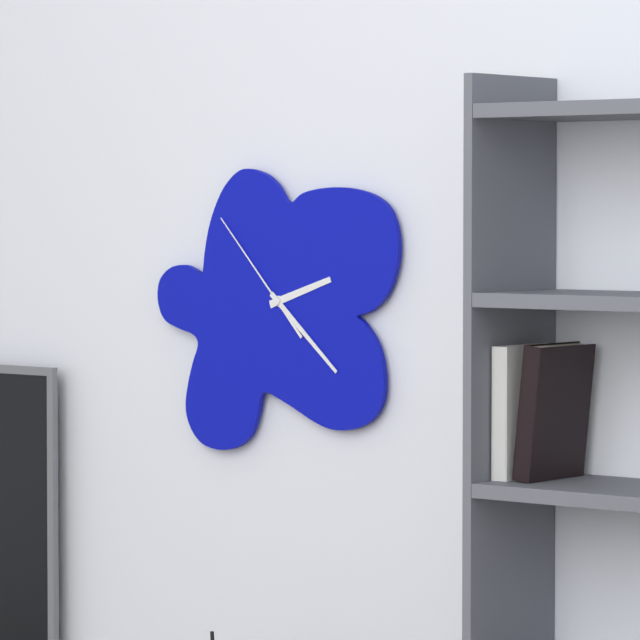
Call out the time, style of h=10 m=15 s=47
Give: h=2 m=22 s=53
